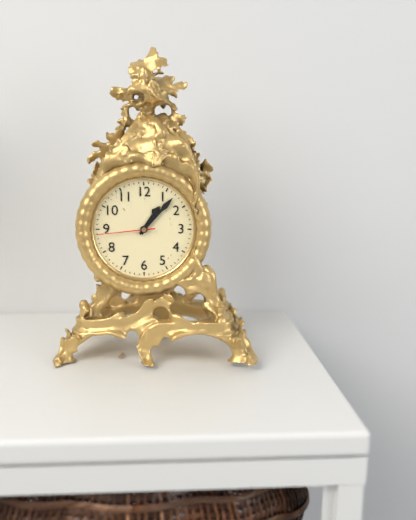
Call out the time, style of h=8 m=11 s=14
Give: h=1 m=7 s=44
